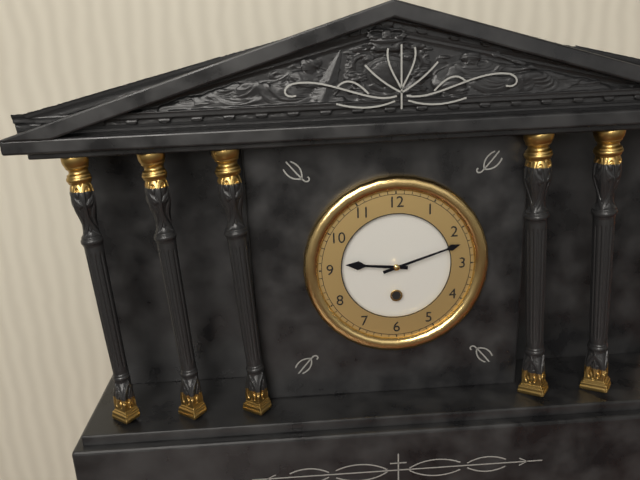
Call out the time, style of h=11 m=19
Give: h=9 m=12
